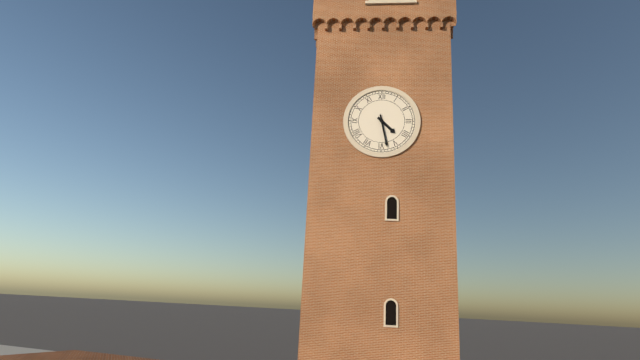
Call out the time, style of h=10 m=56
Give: h=4 m=28
